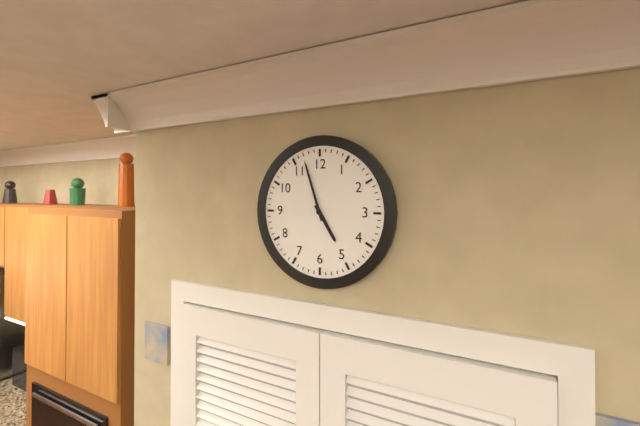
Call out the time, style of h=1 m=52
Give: h=4 m=57
